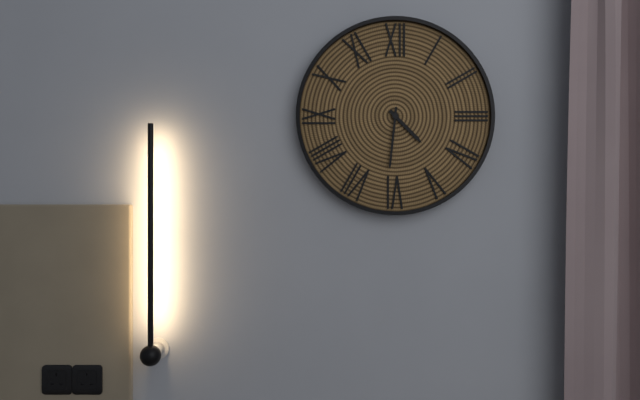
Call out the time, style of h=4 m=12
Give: h=4 m=31
